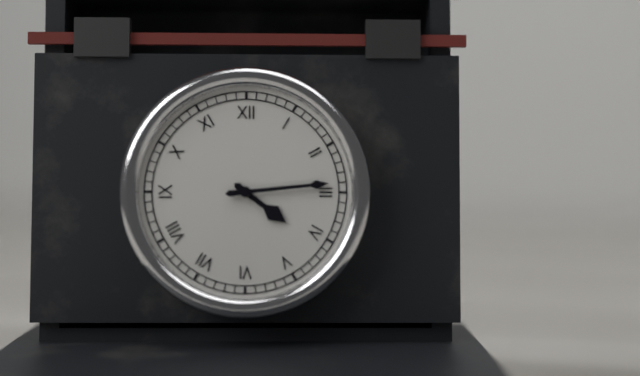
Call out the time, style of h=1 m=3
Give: h=4 m=14
